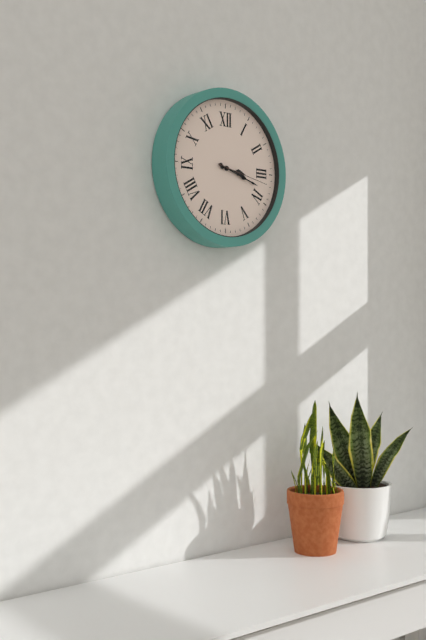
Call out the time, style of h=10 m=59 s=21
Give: h=3 m=18 s=17
